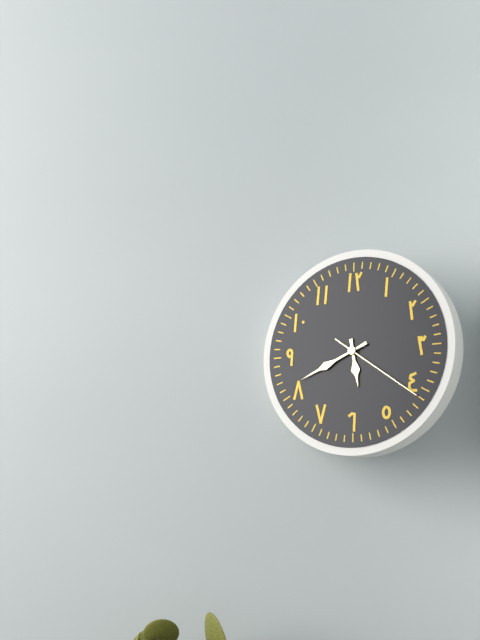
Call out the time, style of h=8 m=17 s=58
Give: h=5 m=41 s=21
